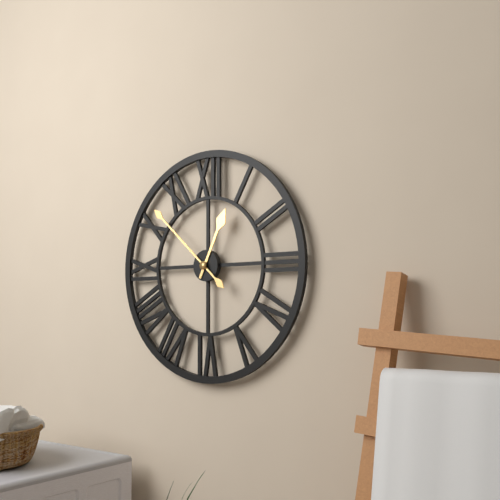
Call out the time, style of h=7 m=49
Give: h=12 m=52
